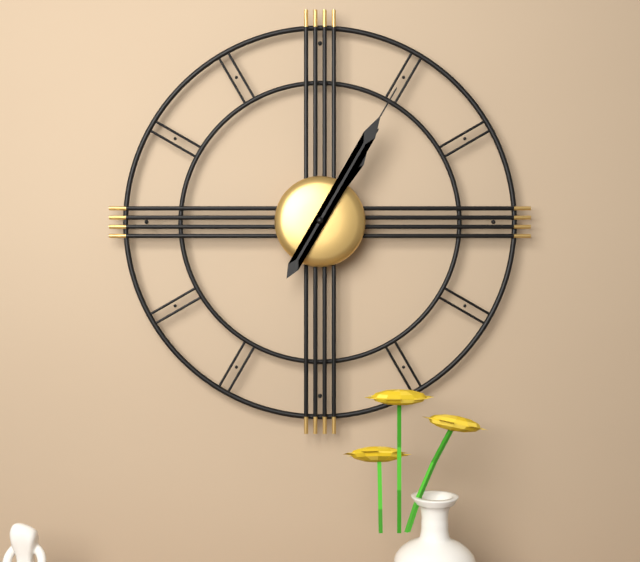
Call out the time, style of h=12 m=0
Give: h=1 m=5
